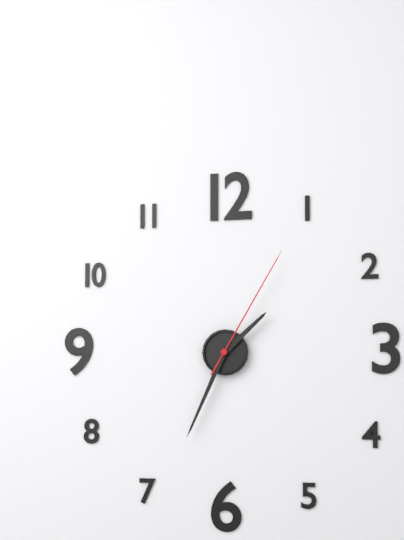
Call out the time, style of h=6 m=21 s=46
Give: h=1 m=34 s=5
